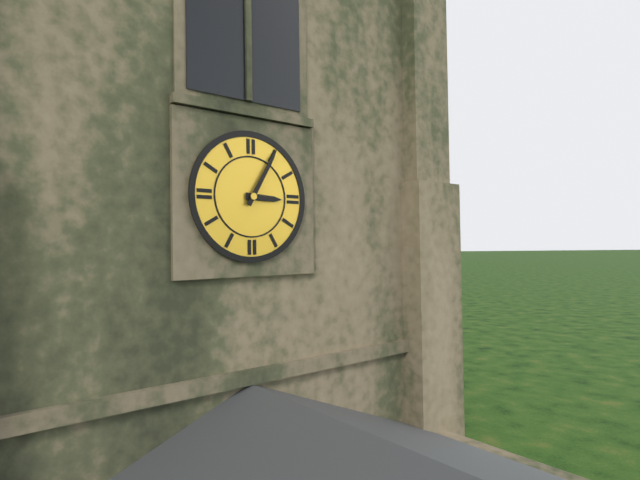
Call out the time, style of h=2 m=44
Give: h=3 m=5
